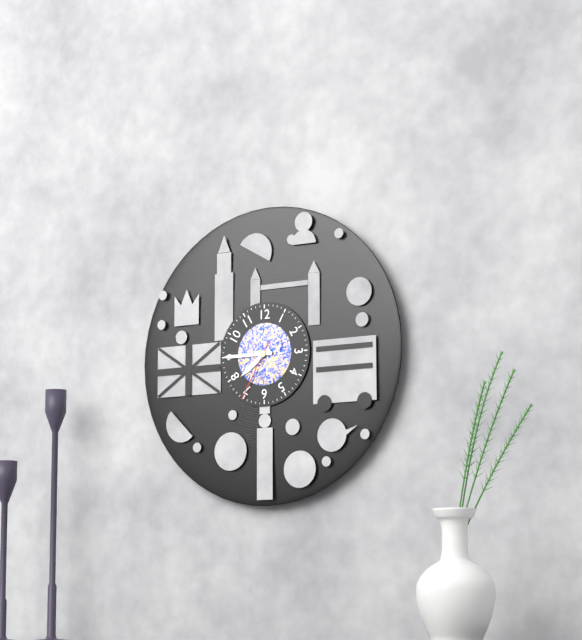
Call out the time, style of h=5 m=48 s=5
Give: h=7 m=45 s=35
